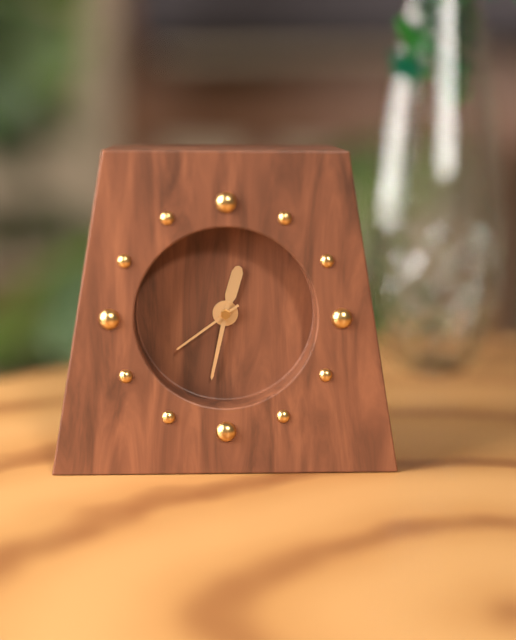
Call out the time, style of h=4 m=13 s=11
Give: h=12 m=32 s=39
